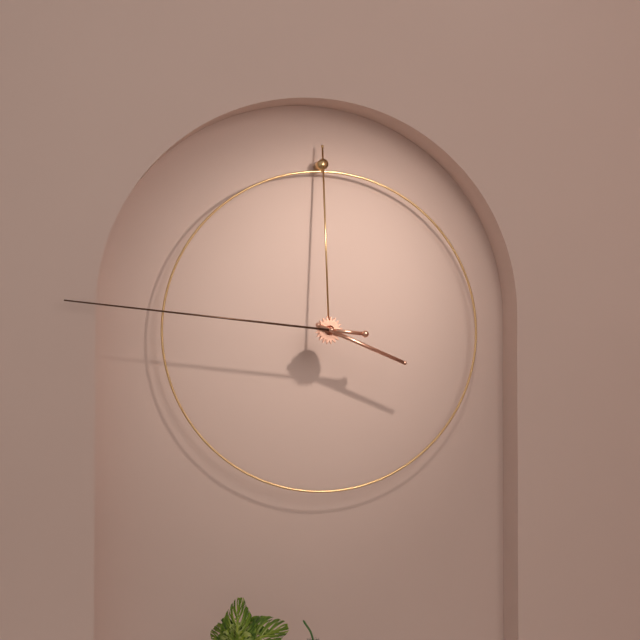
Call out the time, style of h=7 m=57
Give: h=3 m=46
